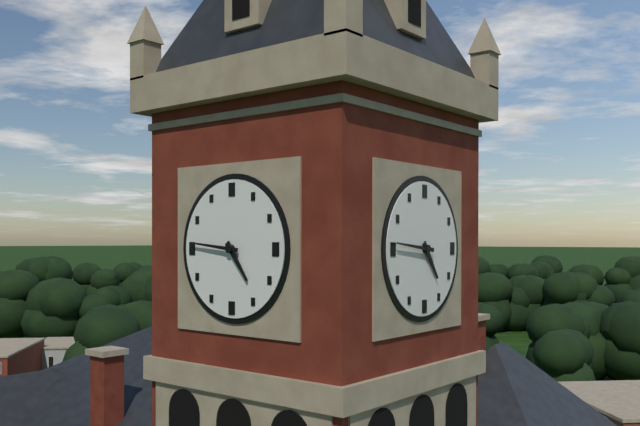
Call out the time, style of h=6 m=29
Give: h=4 m=46
